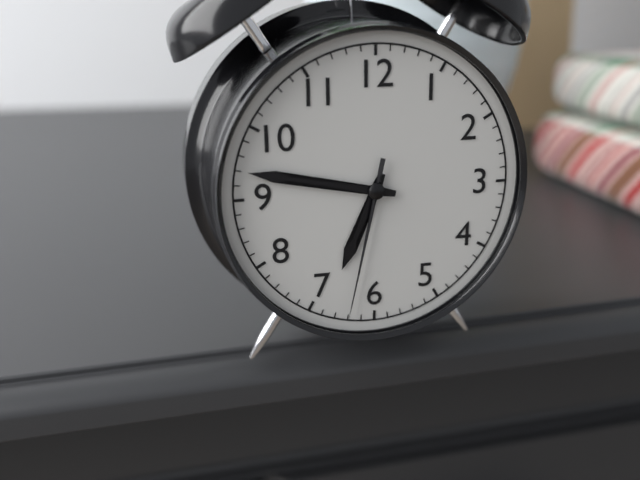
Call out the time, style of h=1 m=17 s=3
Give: h=6 m=47 s=32
